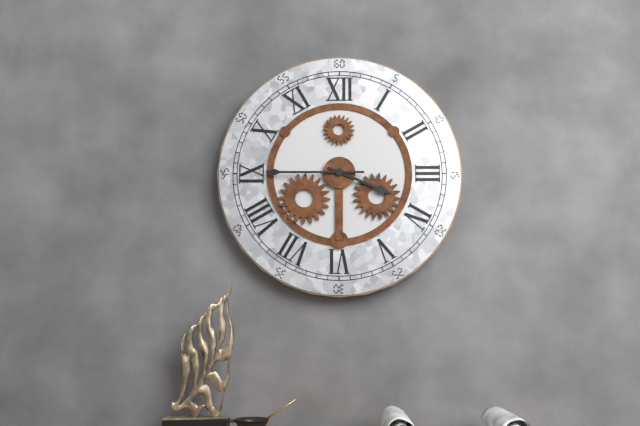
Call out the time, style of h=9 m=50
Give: h=3 m=45
